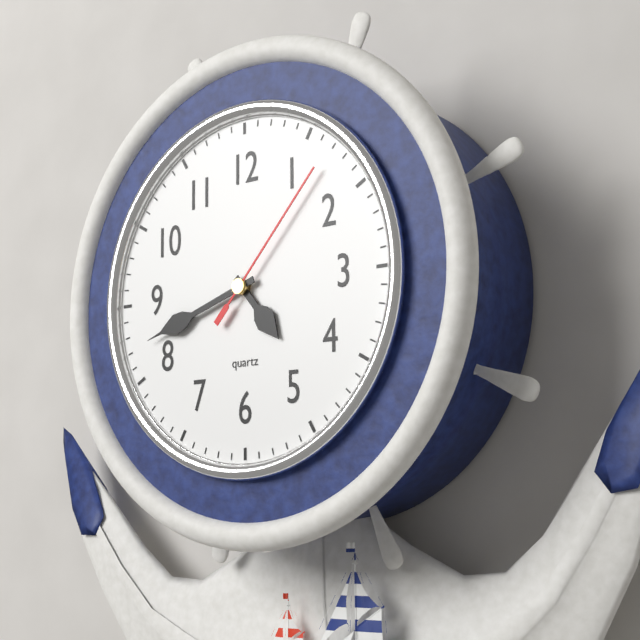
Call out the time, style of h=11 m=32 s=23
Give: h=4 m=42 s=7
